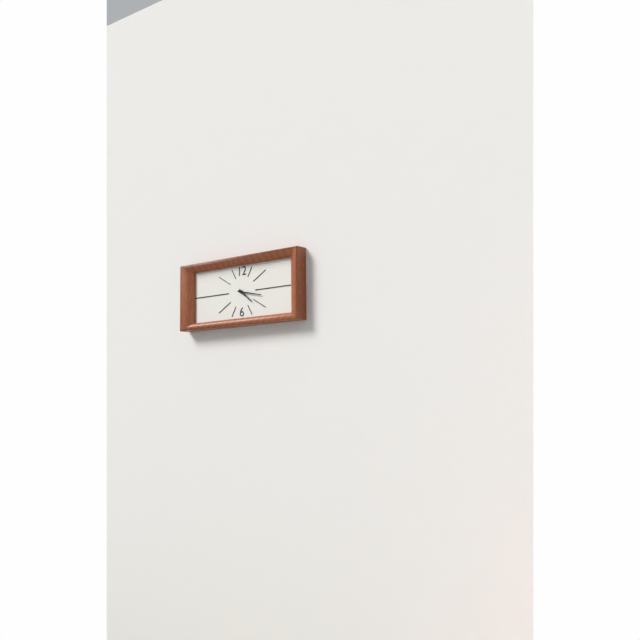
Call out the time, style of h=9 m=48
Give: h=4 m=17
